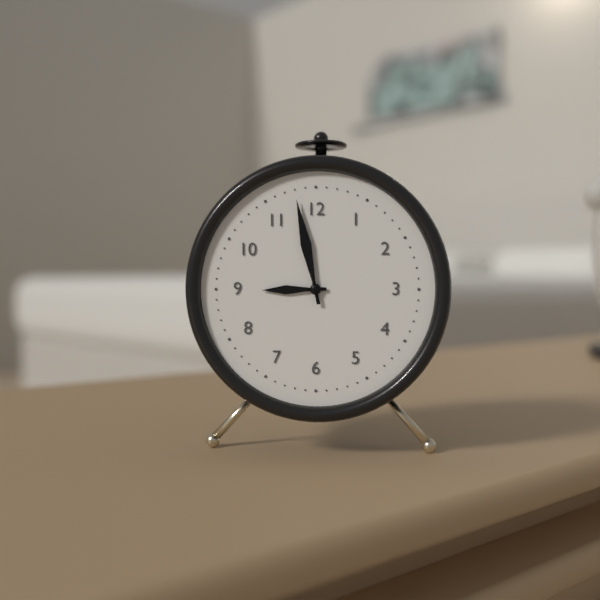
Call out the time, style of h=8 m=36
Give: h=8 m=58
